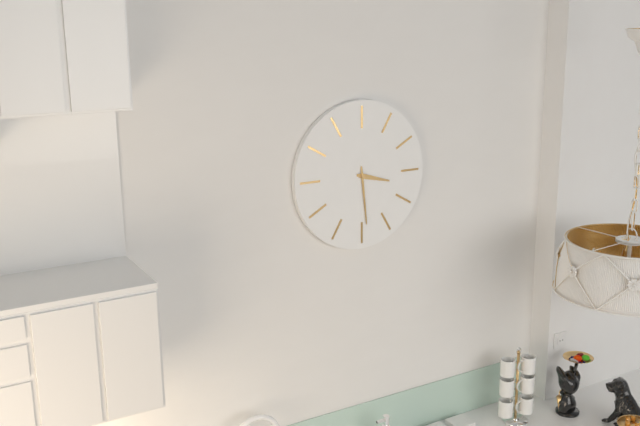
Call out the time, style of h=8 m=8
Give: h=3 m=29
